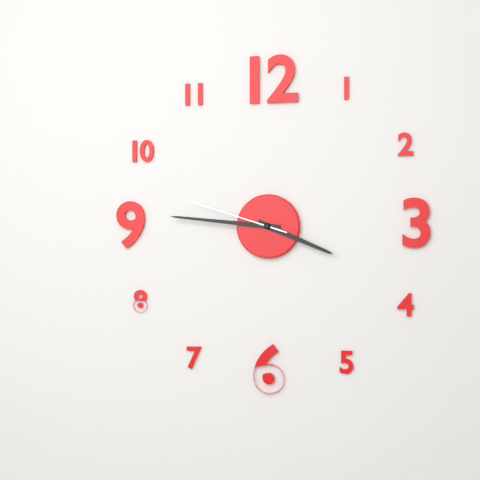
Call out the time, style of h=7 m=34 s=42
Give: h=3 m=46 s=48
